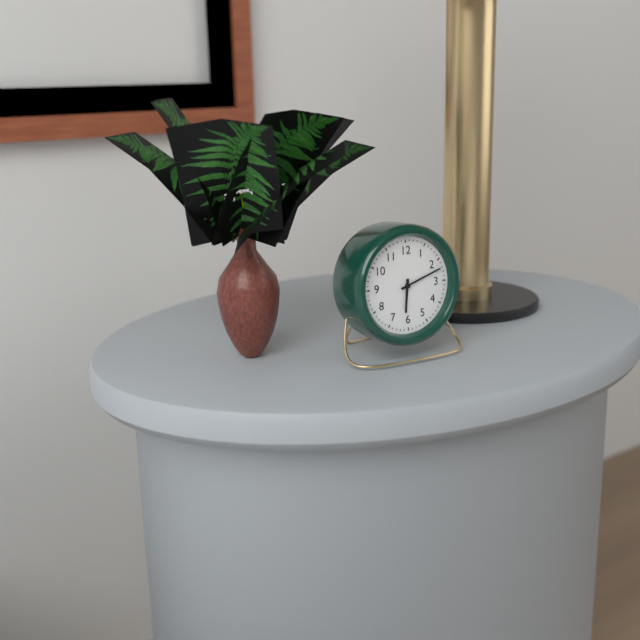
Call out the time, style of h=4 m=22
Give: h=6 m=12
